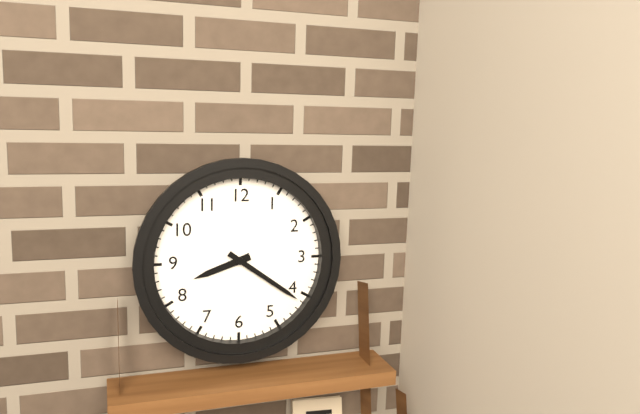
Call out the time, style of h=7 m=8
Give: h=8 m=21
